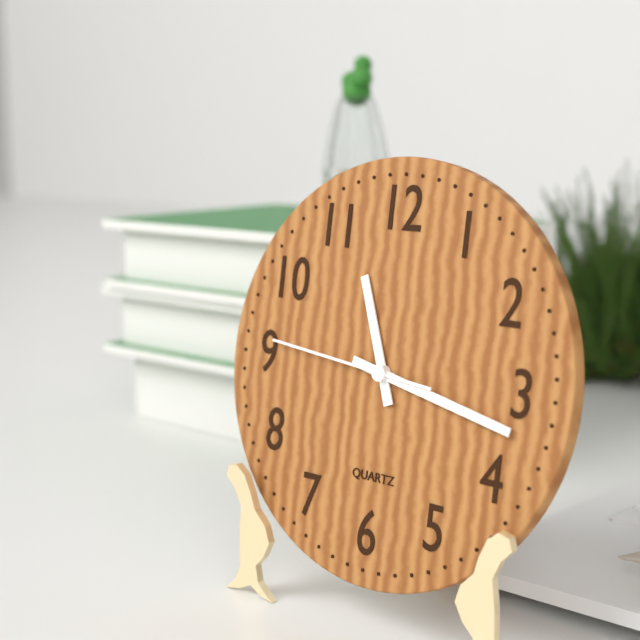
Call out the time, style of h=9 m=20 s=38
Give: h=11 m=17 s=46
